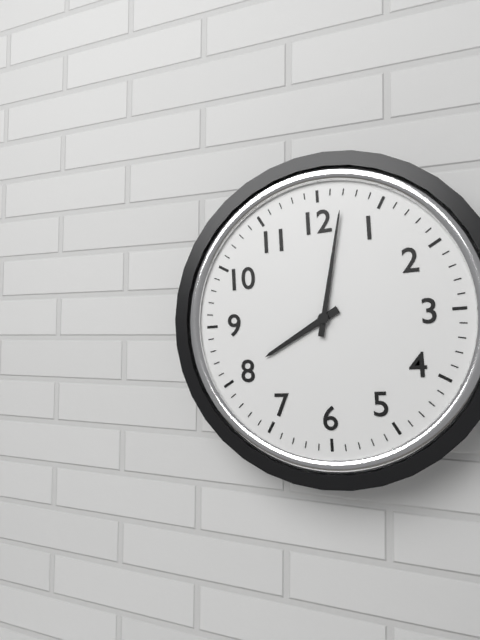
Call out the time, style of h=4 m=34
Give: h=8 m=2
